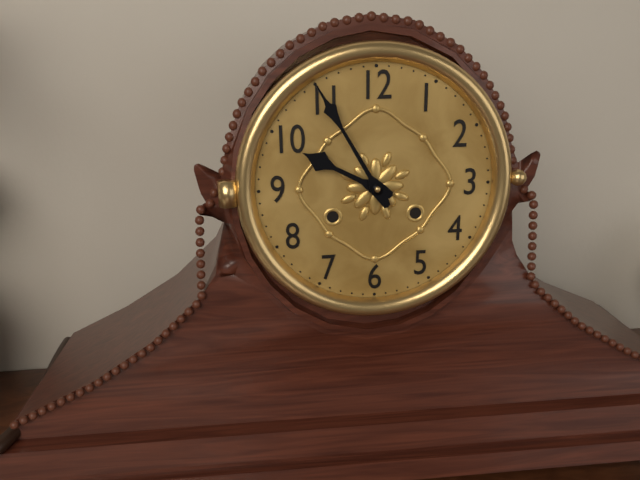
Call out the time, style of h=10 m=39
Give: h=9 m=55
